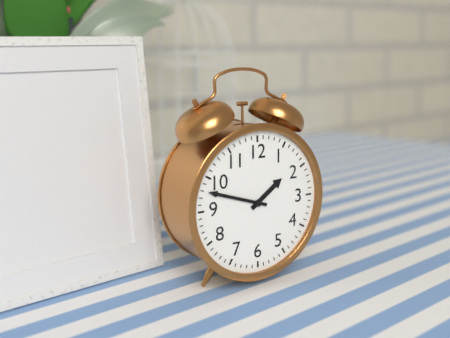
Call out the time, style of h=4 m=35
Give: h=1 m=48
